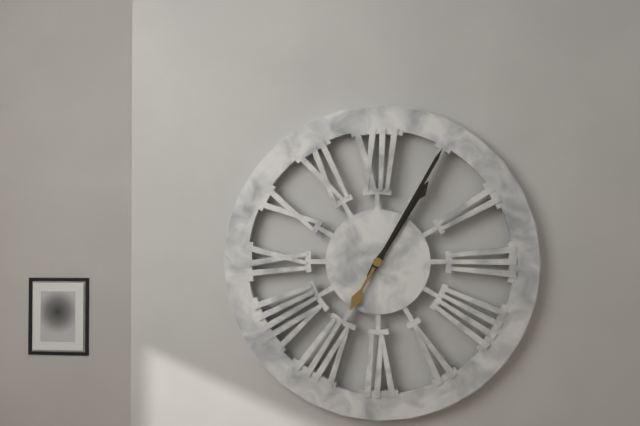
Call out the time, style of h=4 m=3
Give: h=1 m=5
